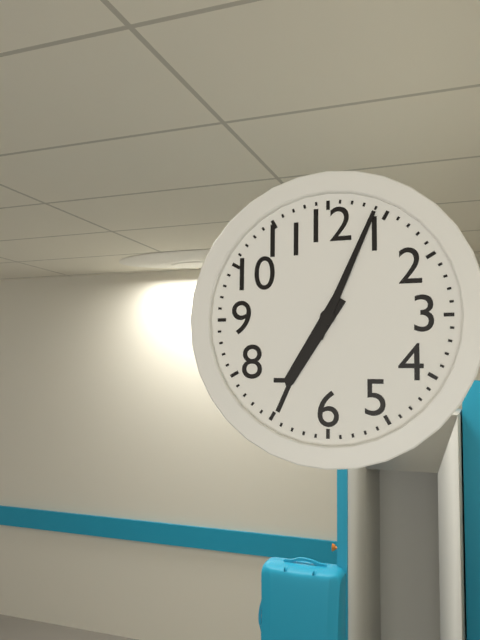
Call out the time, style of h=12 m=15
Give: h=7 m=4
